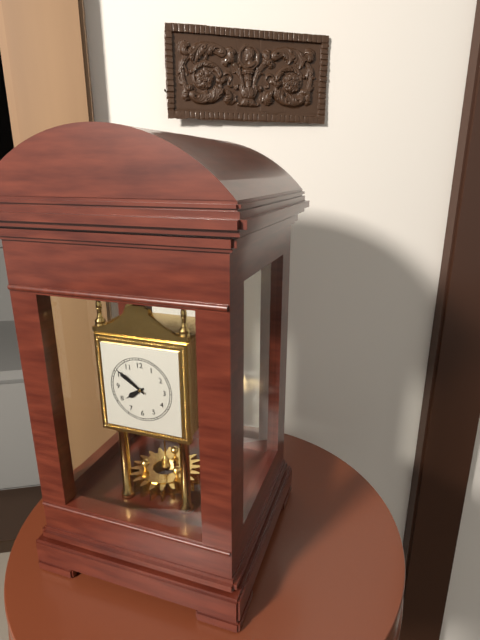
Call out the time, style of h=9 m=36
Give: h=7 m=51
